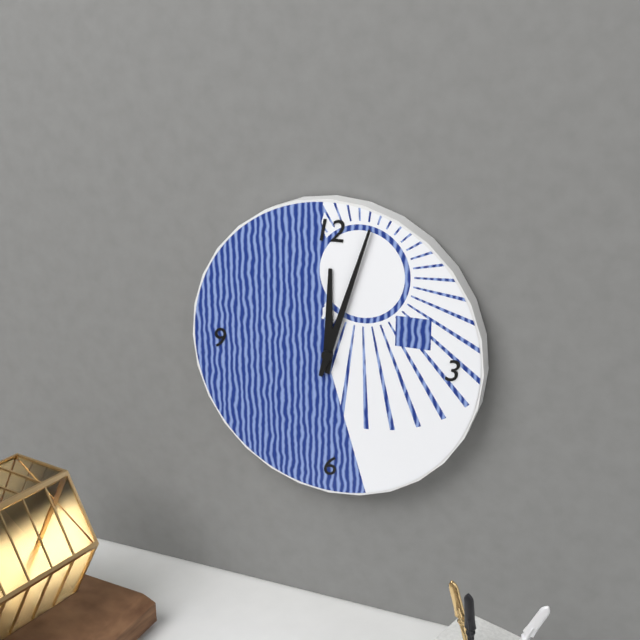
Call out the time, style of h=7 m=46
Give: h=12 m=3
